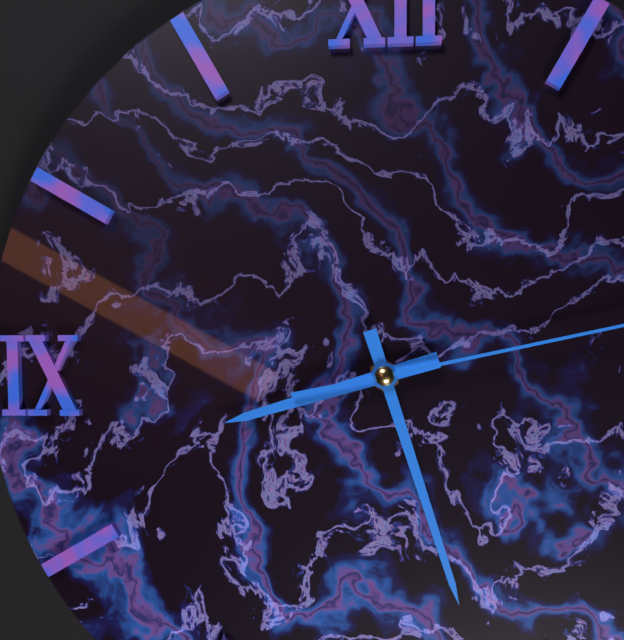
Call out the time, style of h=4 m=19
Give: h=8 m=27
